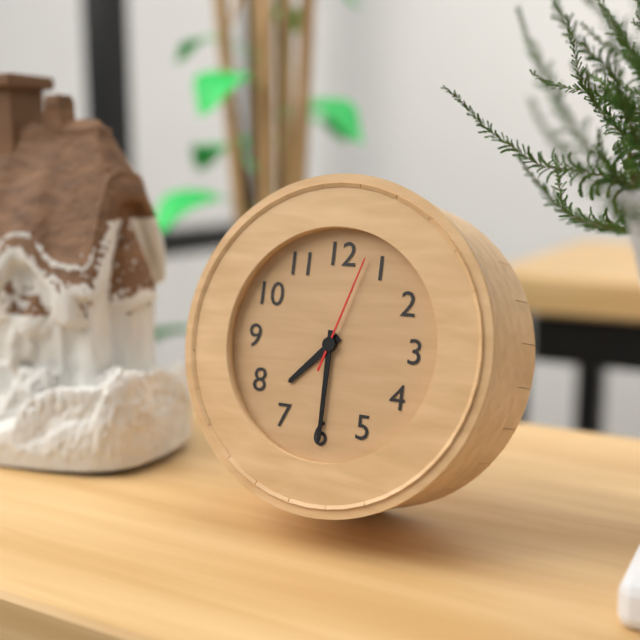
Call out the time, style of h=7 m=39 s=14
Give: h=7 m=30 s=3
